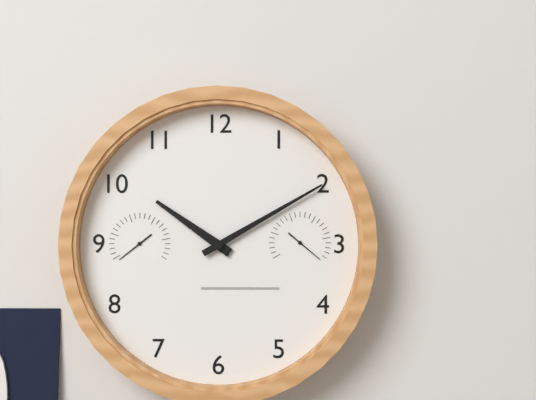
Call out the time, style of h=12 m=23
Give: h=10 m=10
